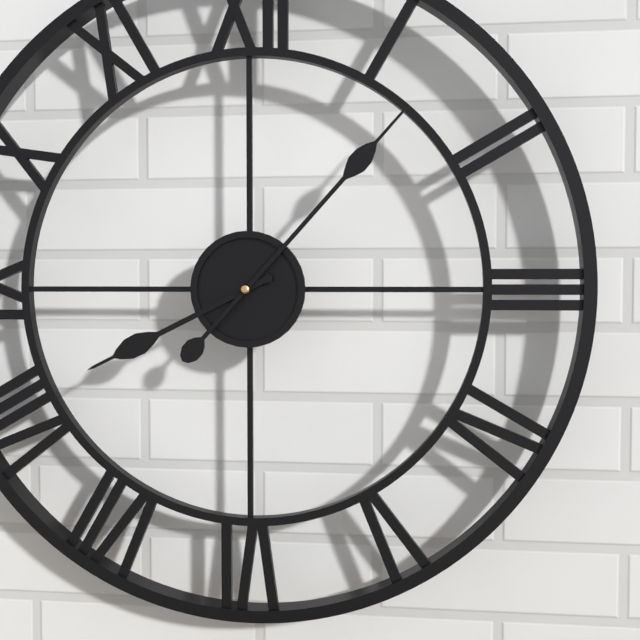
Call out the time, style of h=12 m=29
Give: h=8 m=7
